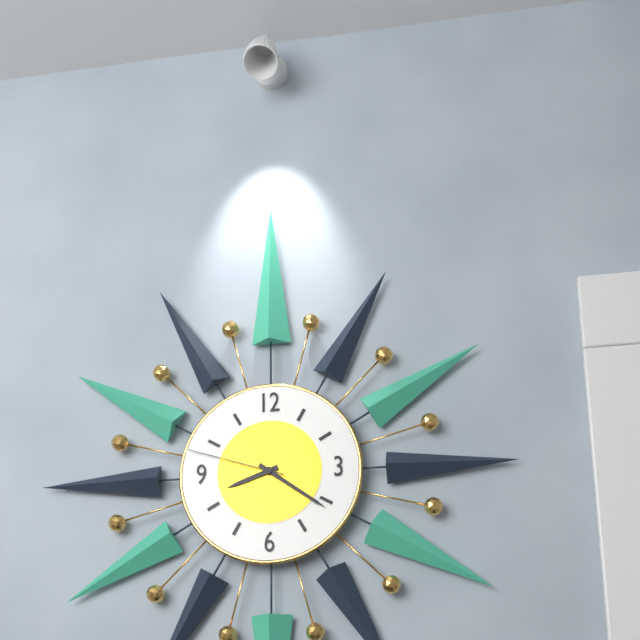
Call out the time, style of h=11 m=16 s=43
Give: h=8 m=21 s=48
